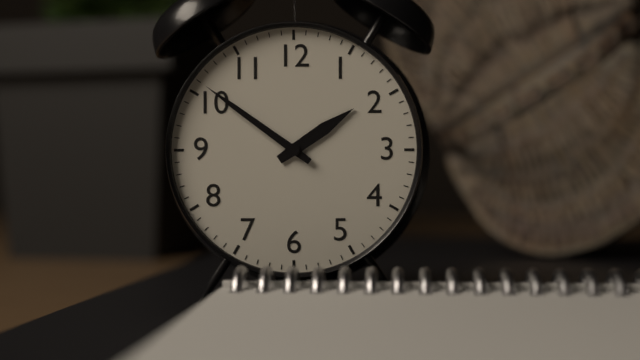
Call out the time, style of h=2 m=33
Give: h=1 m=51
